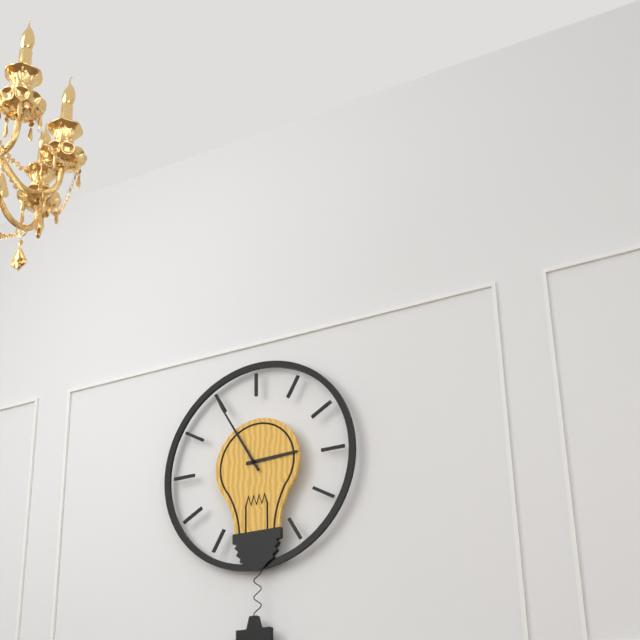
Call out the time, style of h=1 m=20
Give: h=2 m=55
